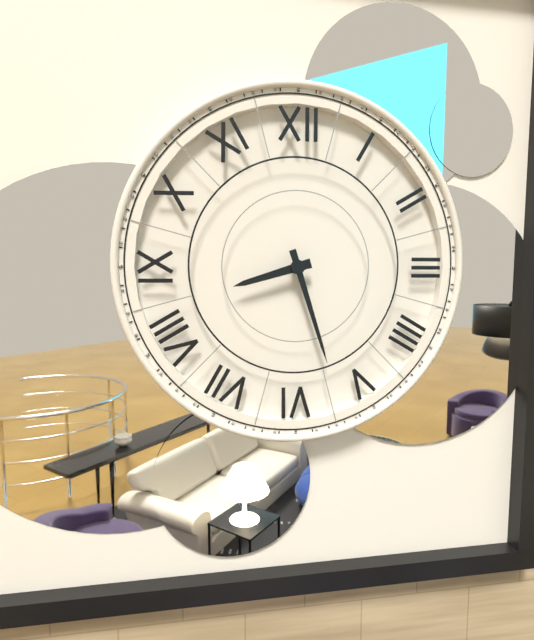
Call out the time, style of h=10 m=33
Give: h=8 m=27
